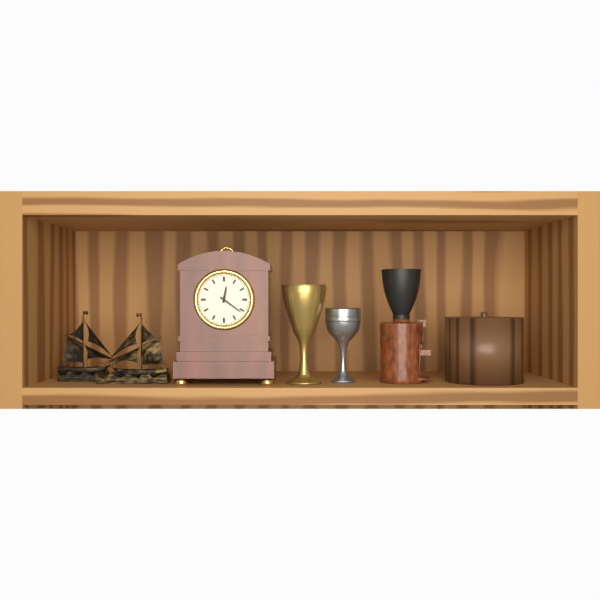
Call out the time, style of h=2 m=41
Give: h=12 m=21
